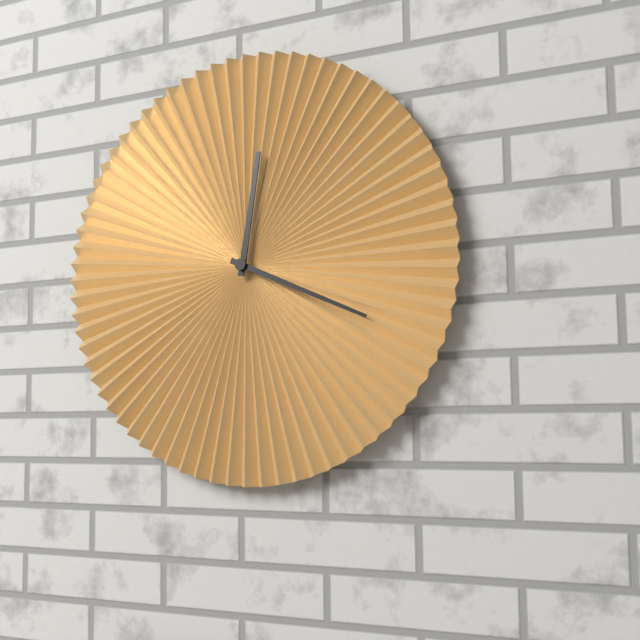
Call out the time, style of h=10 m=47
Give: h=12 m=19
